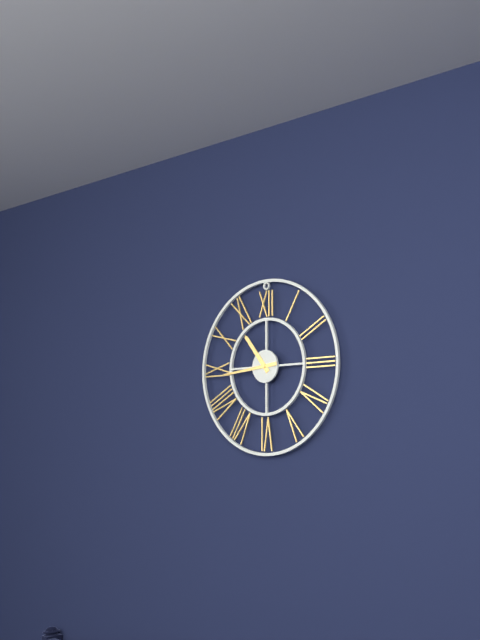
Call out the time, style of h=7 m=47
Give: h=10 m=44
